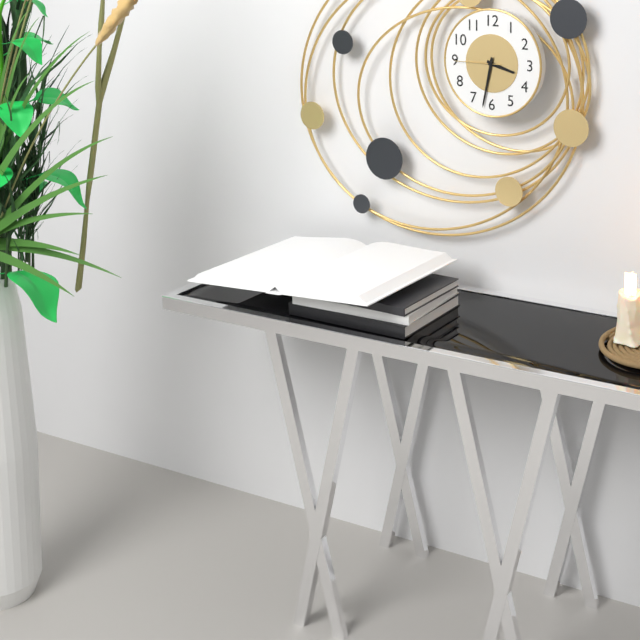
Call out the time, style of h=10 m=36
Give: h=3 m=32
